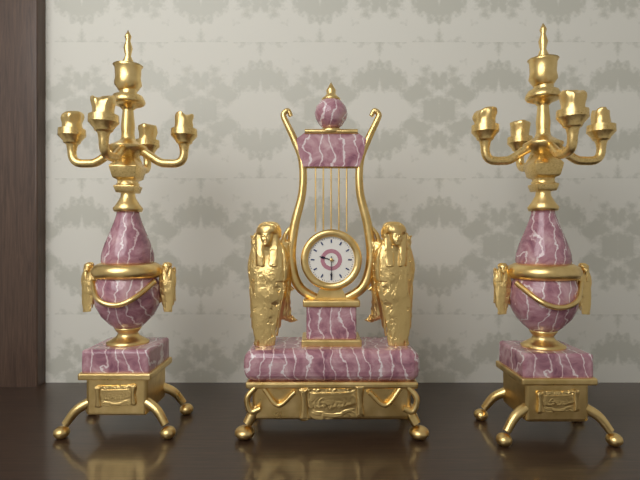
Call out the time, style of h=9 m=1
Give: h=9 m=30
